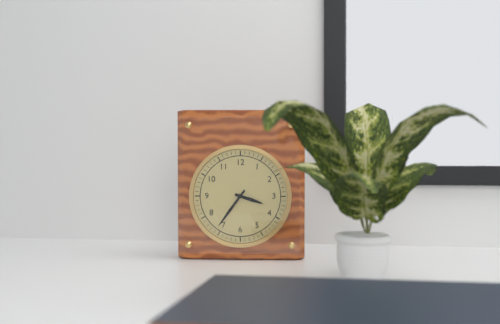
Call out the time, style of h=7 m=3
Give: h=3 m=36
